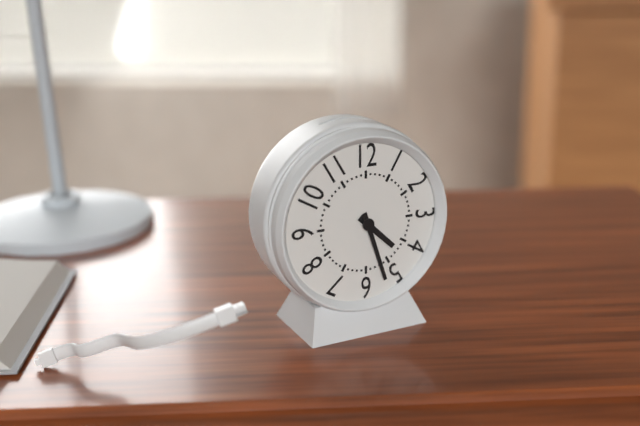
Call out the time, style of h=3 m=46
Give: h=4 m=27
